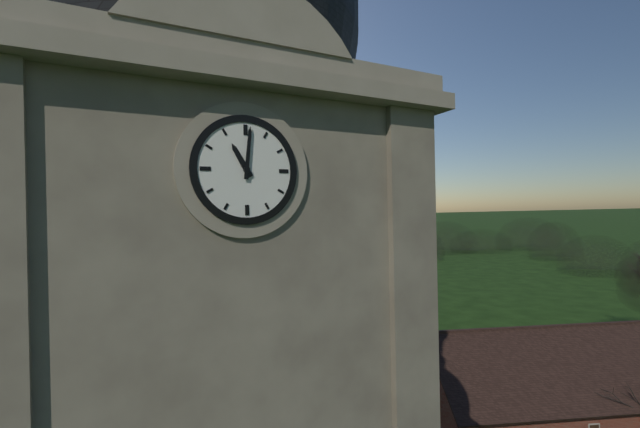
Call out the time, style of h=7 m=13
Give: h=11 m=1
